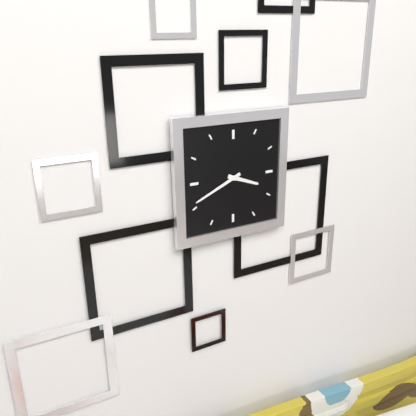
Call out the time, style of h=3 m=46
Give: h=3 m=41
